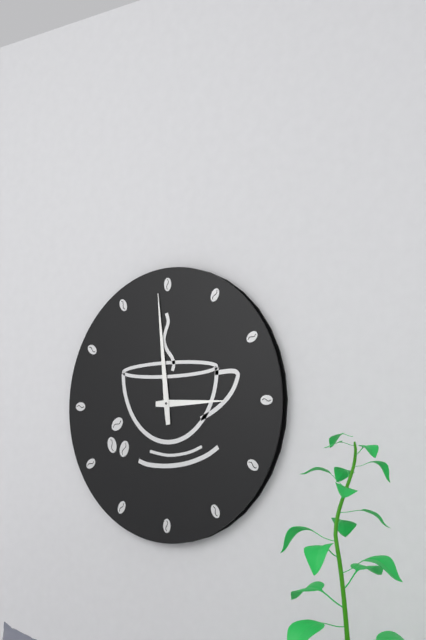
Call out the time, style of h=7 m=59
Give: h=2 m=59
